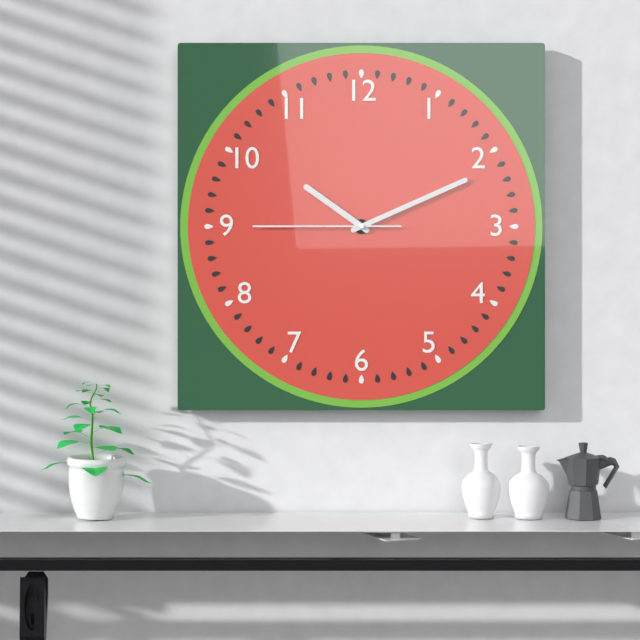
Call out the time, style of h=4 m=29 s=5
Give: h=10 m=11 s=45
